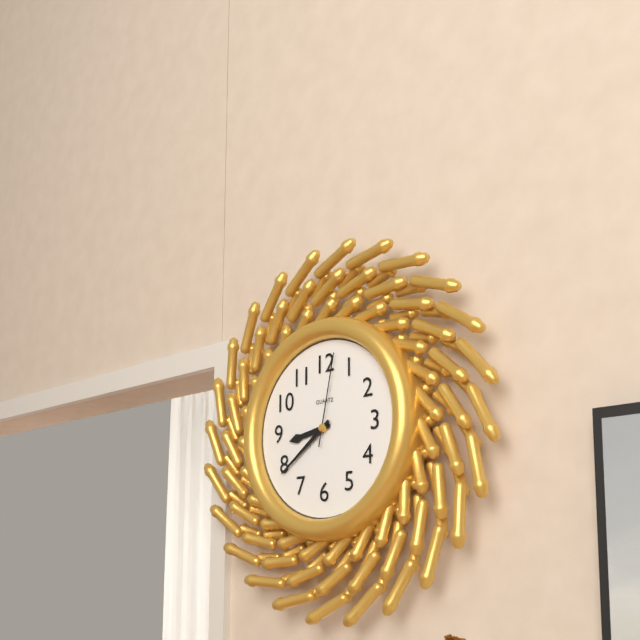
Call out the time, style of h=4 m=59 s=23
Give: h=8 m=39 s=2
